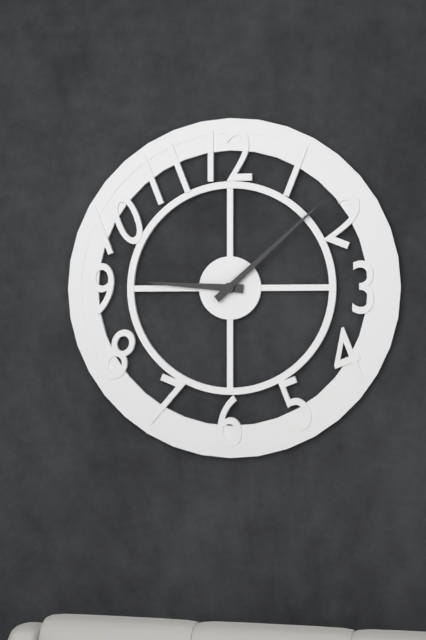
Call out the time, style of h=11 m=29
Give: h=9 m=8
